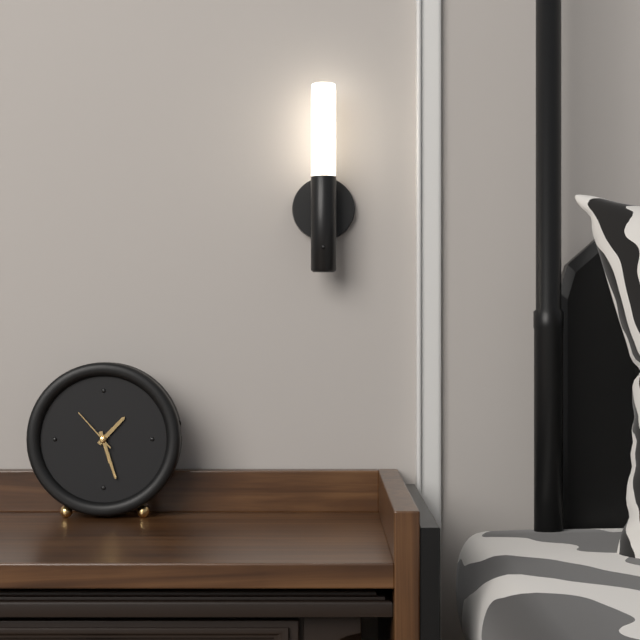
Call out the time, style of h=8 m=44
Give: h=1 m=27
